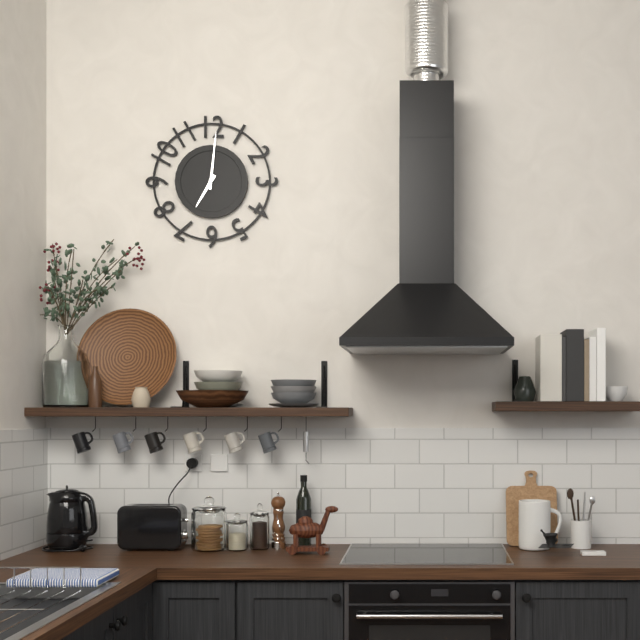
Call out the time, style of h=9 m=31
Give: h=7 m=1
